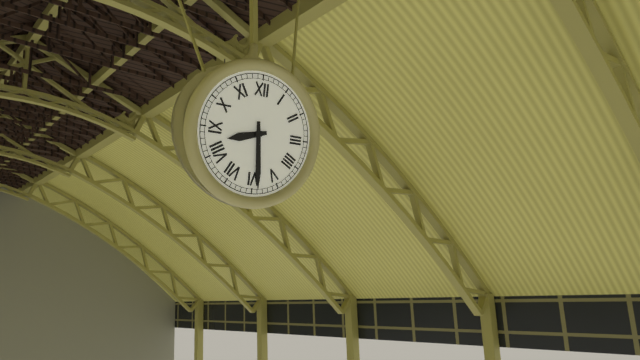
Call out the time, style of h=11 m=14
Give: h=8 m=29
